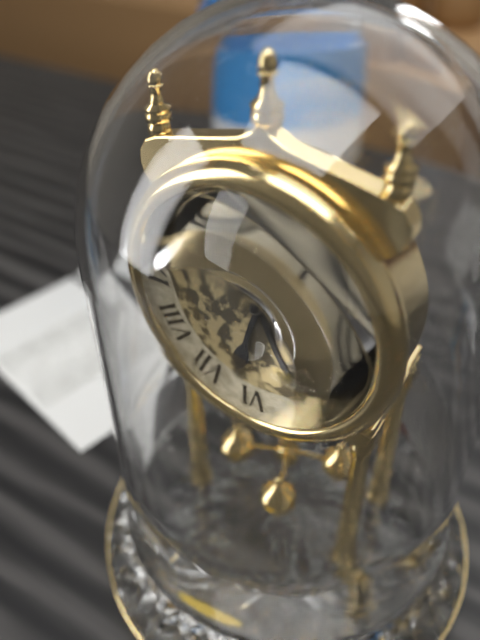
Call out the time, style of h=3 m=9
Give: h=6 m=25
